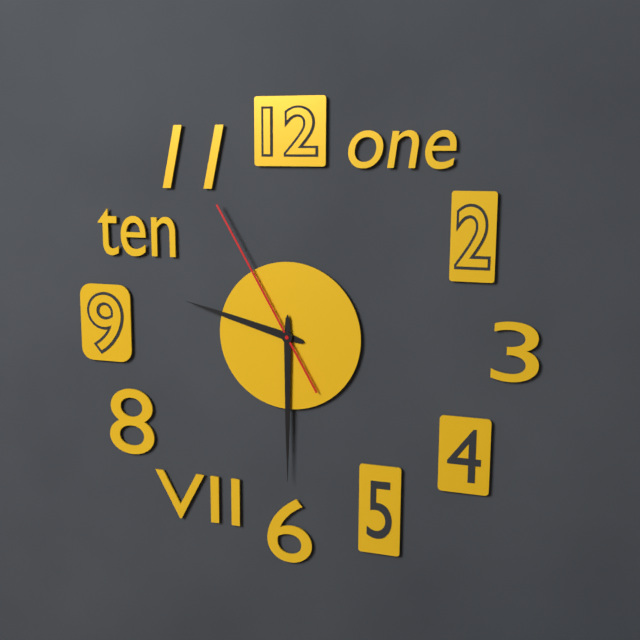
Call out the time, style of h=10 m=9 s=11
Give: h=9 m=30 s=55
